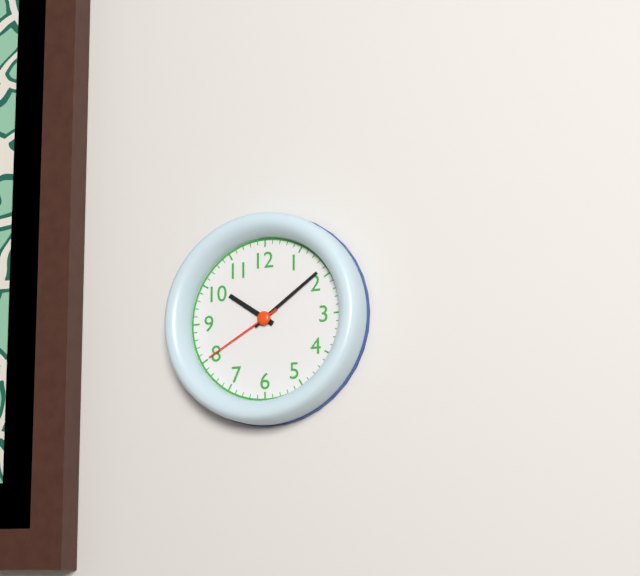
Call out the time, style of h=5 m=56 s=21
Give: h=10 m=9 s=40
